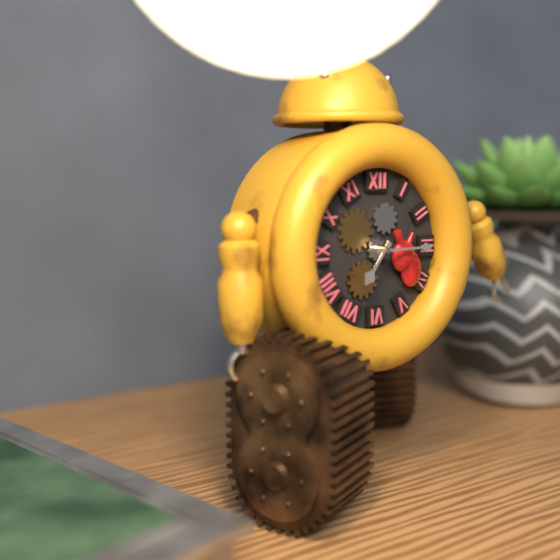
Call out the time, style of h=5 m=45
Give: h=7 m=15
